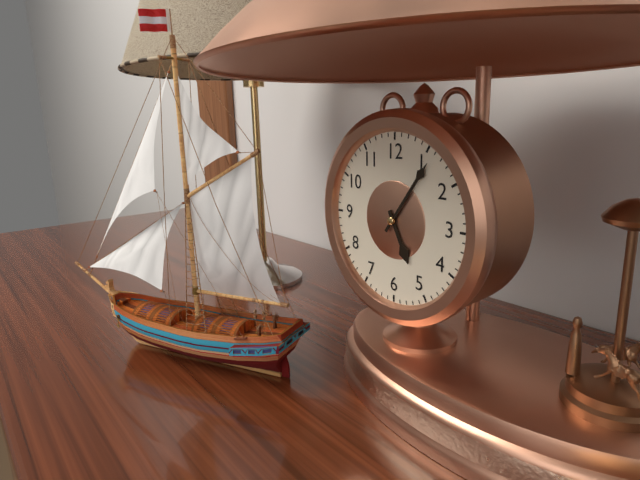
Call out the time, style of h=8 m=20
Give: h=5 m=6
